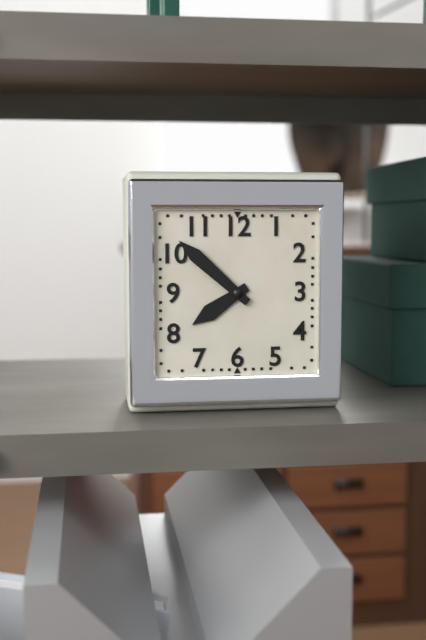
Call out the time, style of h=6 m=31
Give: h=7 m=52
